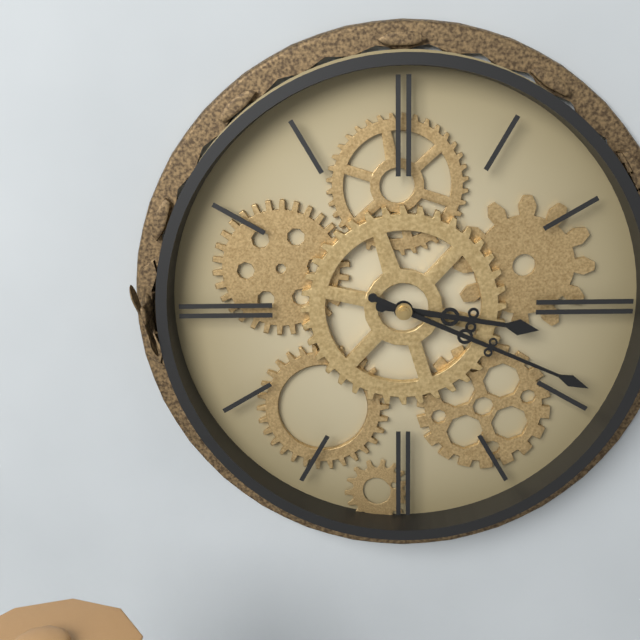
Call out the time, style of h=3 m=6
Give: h=3 m=19
